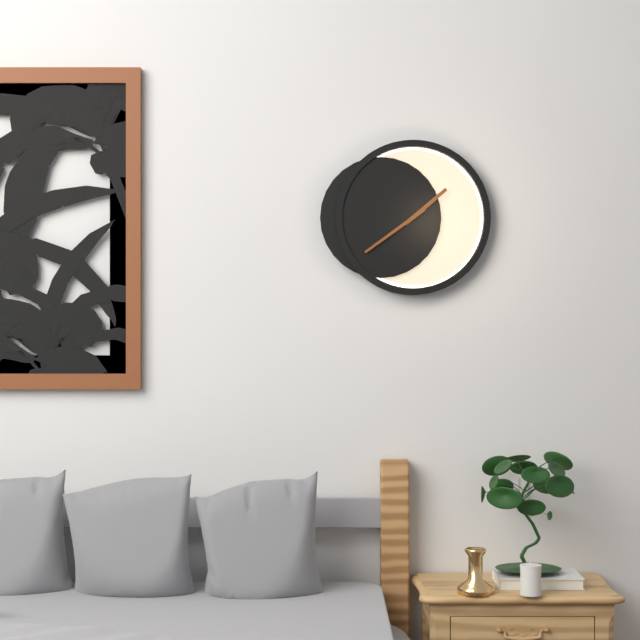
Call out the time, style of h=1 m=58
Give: h=1 m=39
